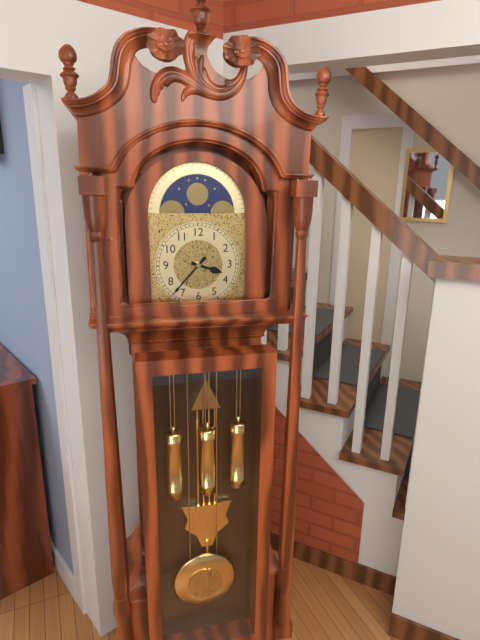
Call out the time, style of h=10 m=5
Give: h=3 m=37
